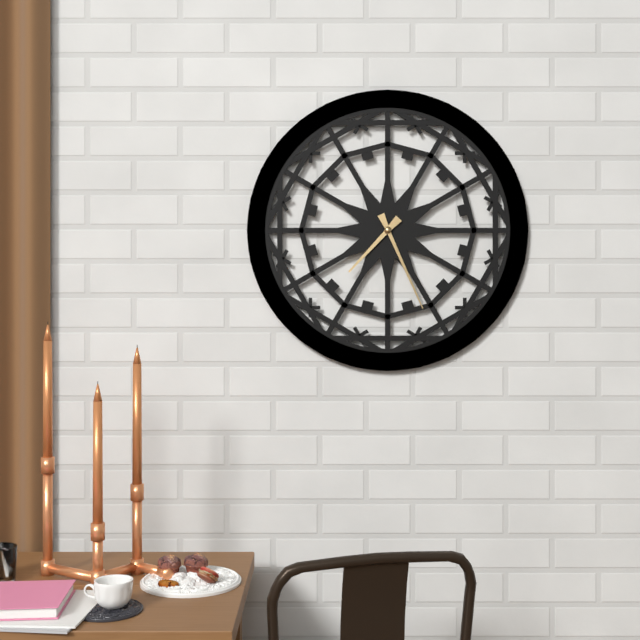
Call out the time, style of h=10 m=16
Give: h=7 m=26
